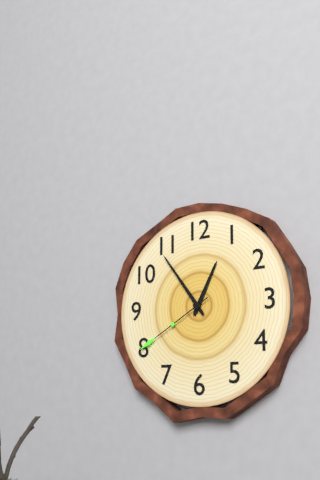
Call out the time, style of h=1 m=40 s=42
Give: h=12 m=54 s=40
